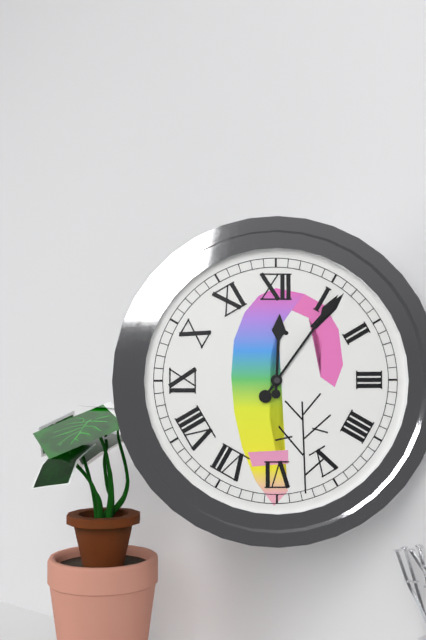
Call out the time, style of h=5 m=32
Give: h=12 m=6
